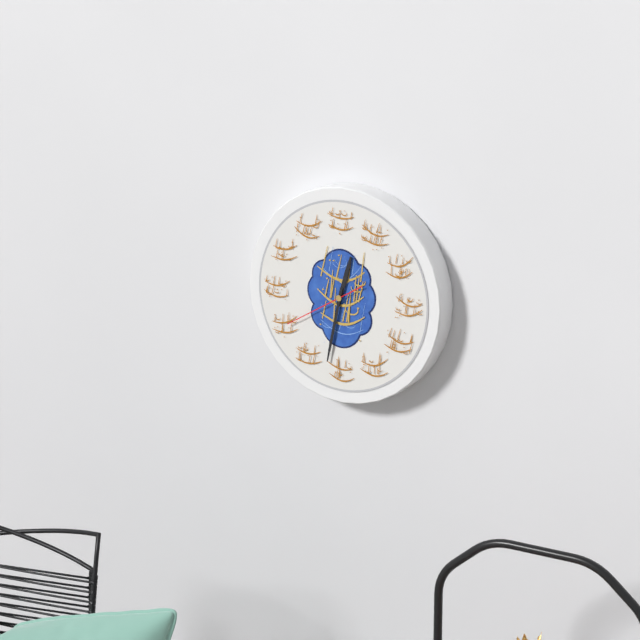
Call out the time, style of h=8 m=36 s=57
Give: h=12 m=32 s=40
